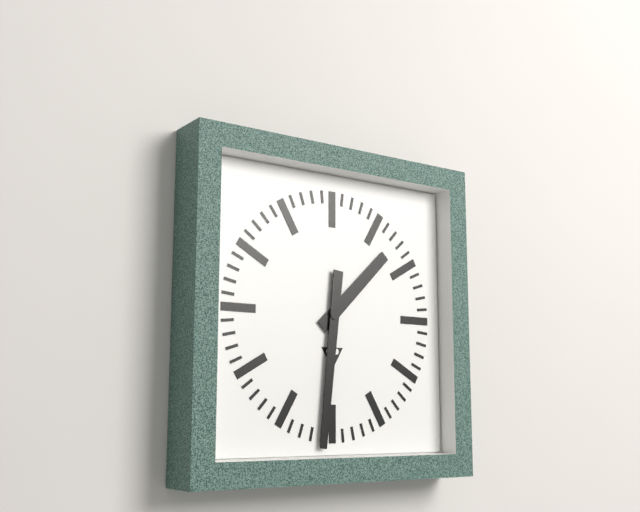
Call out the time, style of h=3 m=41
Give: h=1 m=31
